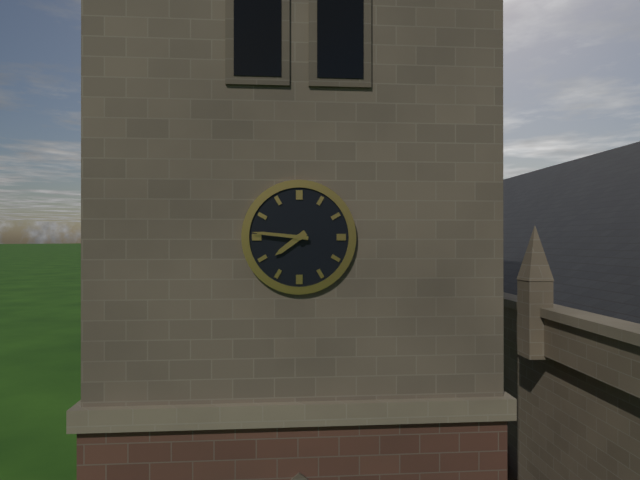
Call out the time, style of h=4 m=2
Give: h=7 m=46
